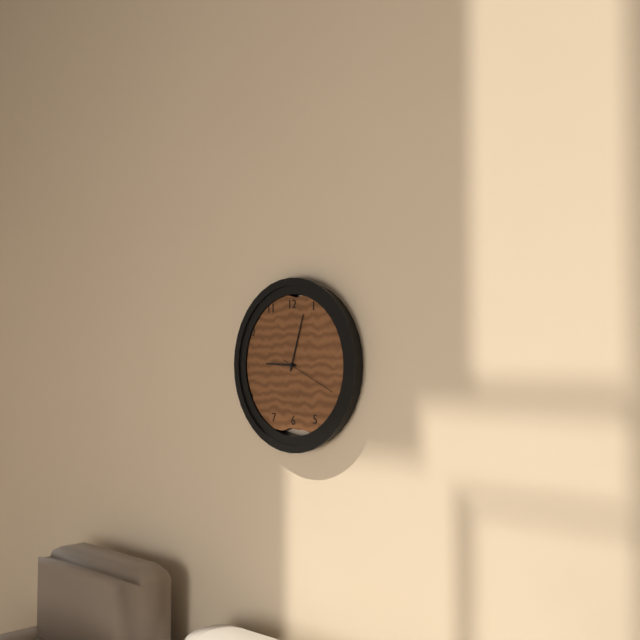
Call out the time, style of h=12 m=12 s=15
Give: h=9 m=3 s=19
